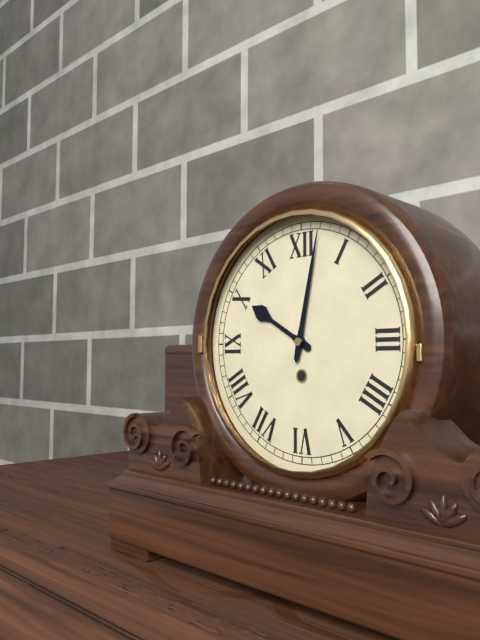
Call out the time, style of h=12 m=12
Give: h=10 m=2
